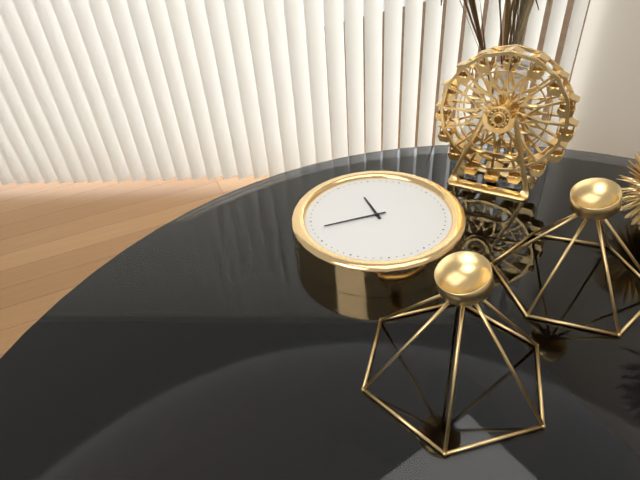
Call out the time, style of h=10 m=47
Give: h=9 m=33
